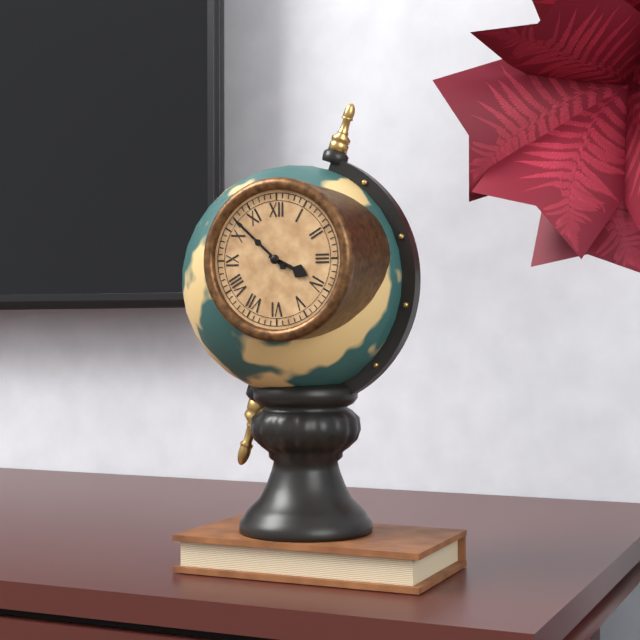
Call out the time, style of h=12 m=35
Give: h=3 m=52
